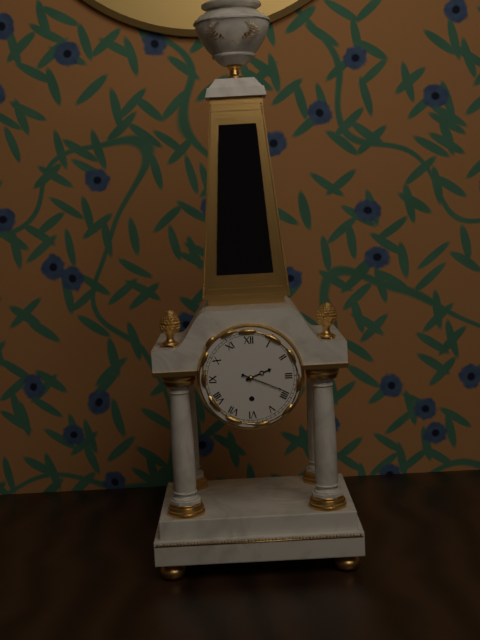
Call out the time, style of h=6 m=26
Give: h=2 m=19
